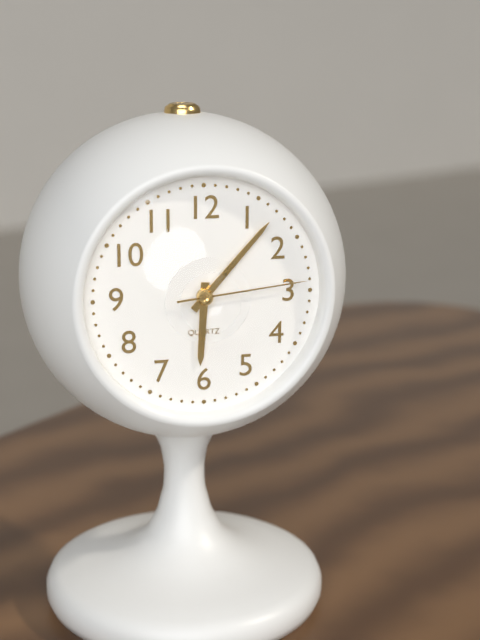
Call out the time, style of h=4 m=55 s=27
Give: h=6 m=7 s=14
